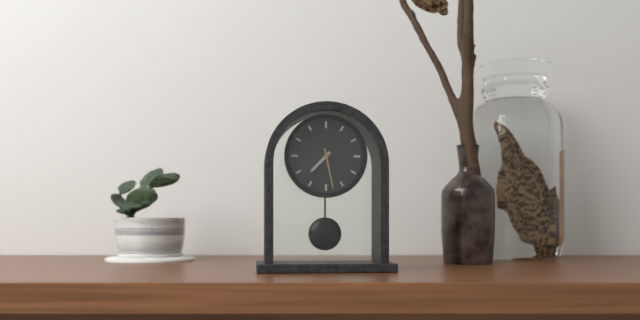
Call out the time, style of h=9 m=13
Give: h=7 m=28
